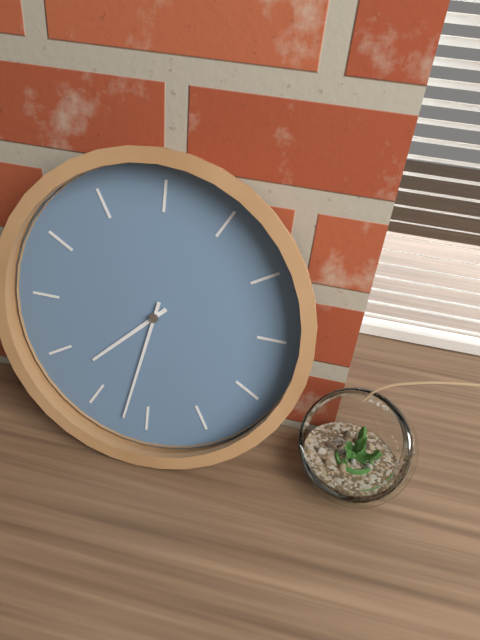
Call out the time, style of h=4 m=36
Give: h=7 m=32
